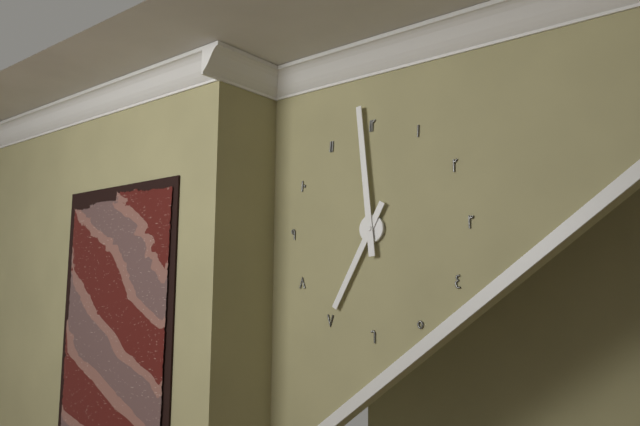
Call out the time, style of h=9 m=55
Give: h=6 m=59
